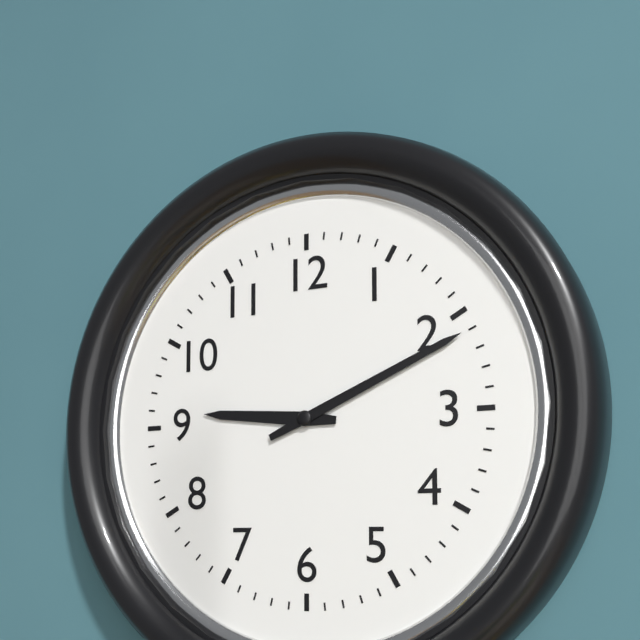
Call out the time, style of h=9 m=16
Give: h=9 m=11
